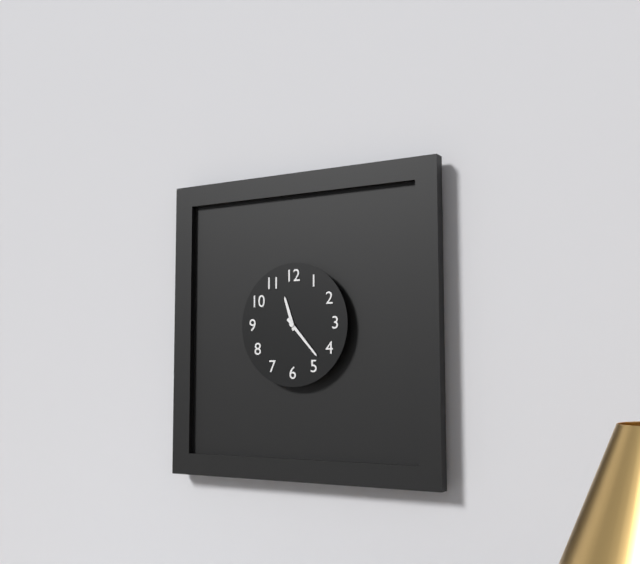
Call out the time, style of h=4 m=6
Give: h=11 m=23
